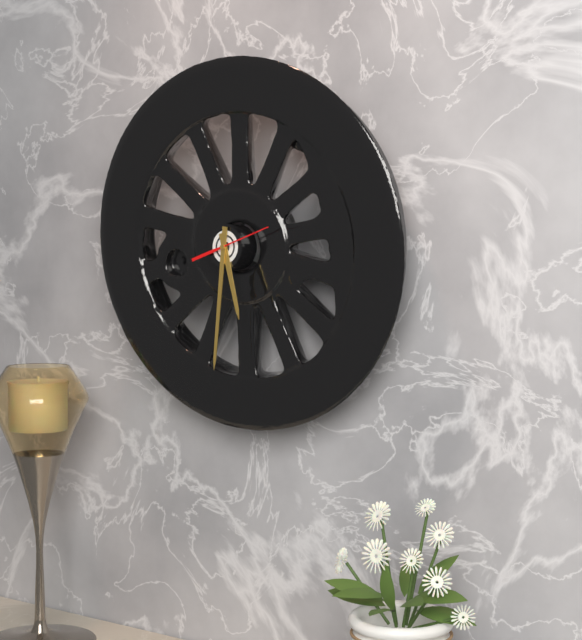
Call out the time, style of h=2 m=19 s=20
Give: h=5 m=31 s=12
